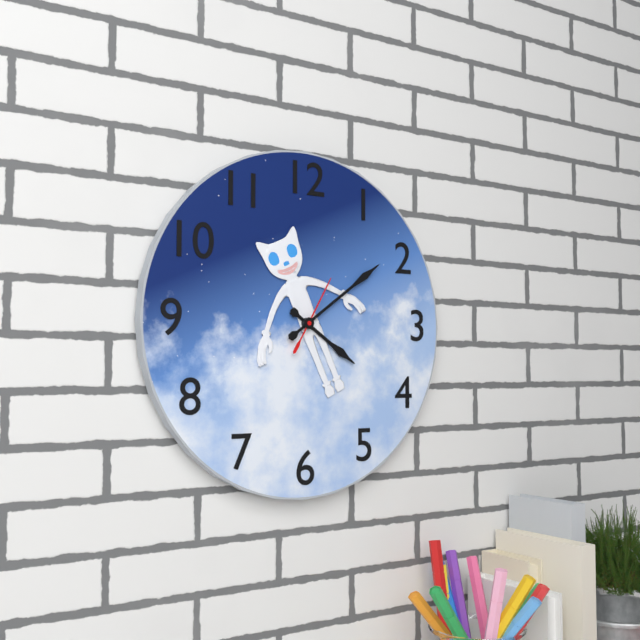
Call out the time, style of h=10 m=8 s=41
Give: h=4 m=9 s=5
